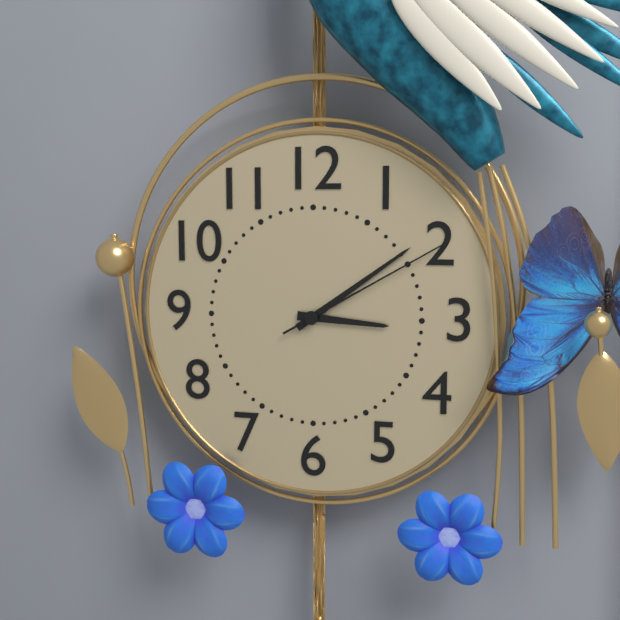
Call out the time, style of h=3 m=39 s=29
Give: h=3 m=9 s=10
